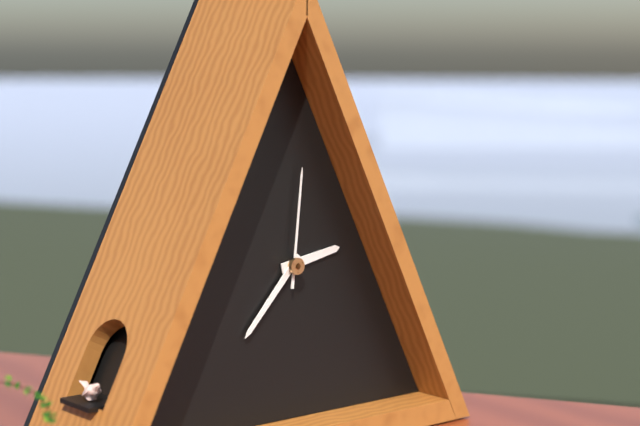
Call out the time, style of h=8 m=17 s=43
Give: h=2 m=37 s=1
